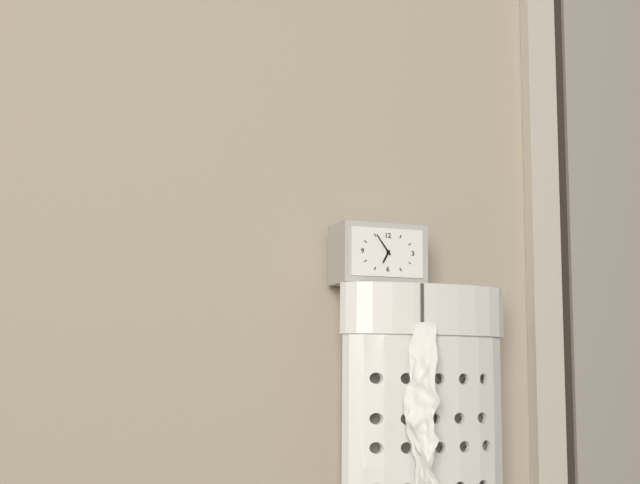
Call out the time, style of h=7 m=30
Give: h=6 m=54
